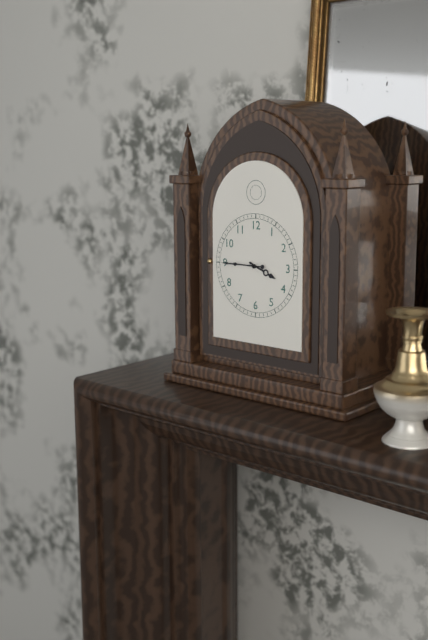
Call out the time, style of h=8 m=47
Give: h=3 m=45
